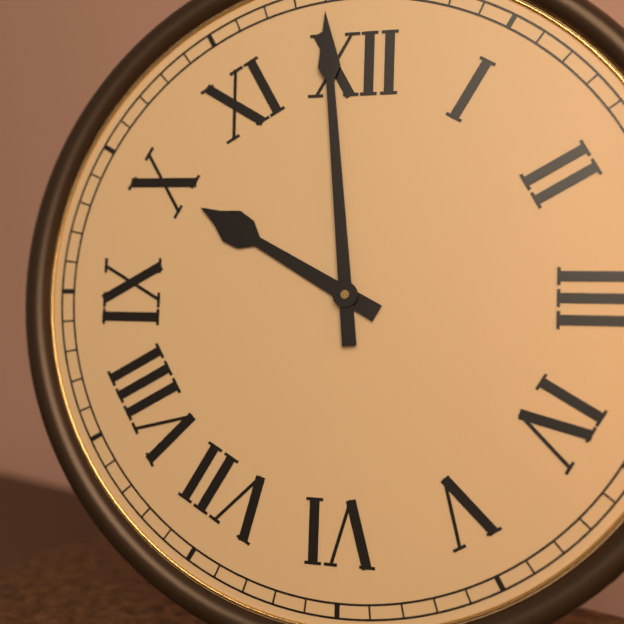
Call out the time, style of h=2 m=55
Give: h=9 m=59
